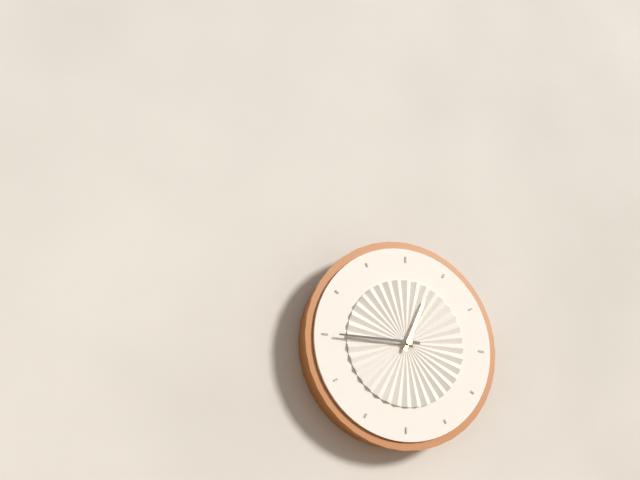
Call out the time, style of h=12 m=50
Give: h=12 m=45
